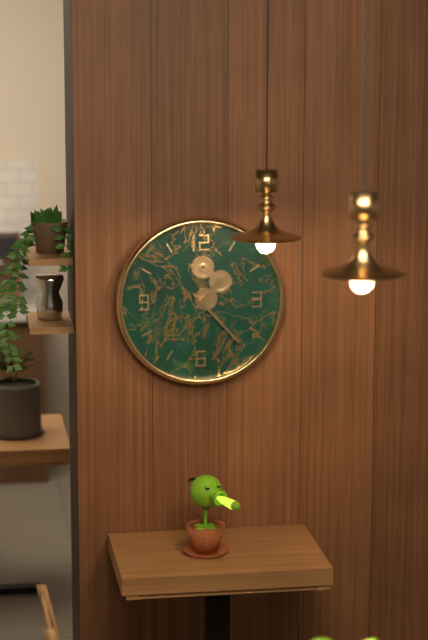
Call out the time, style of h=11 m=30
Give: h=1 m=23
